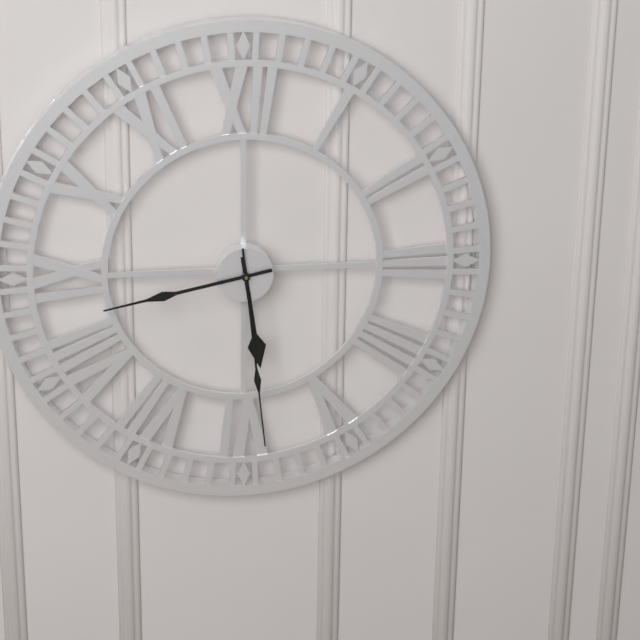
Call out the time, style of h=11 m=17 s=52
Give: h=5 m=43 s=29
